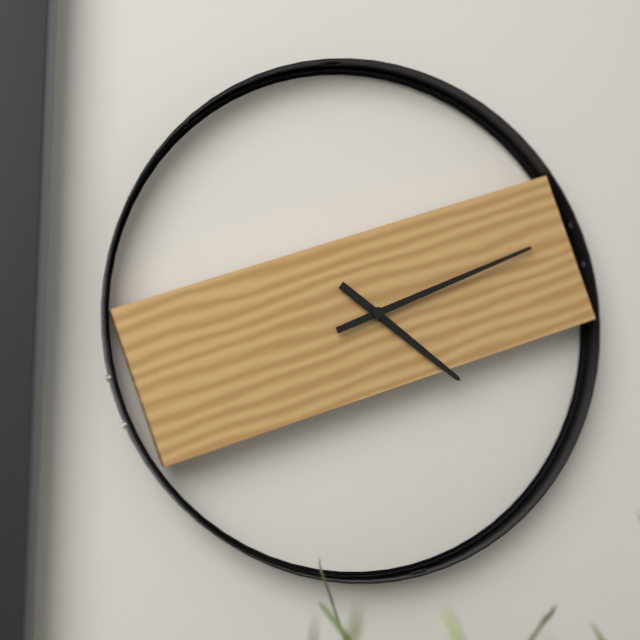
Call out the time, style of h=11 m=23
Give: h=4 m=11
